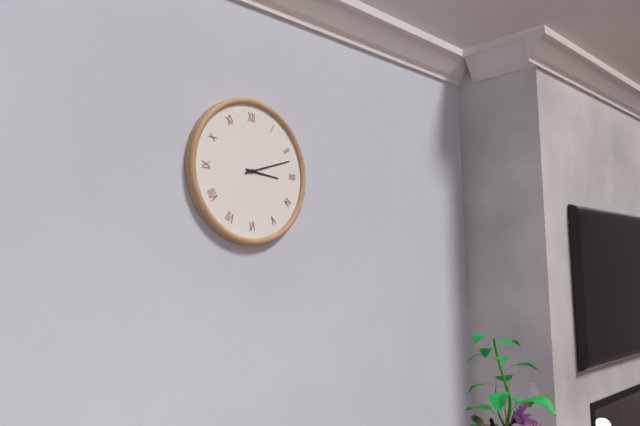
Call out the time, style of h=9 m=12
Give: h=3 m=12
